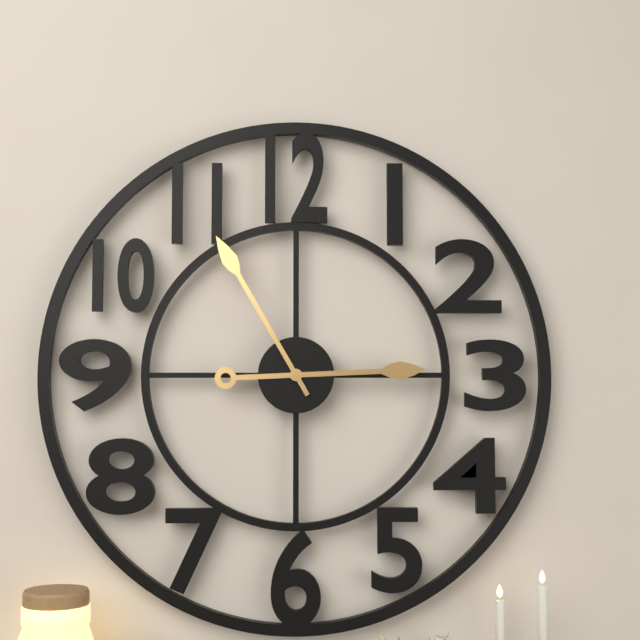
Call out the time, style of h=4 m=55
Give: h=2 m=55
